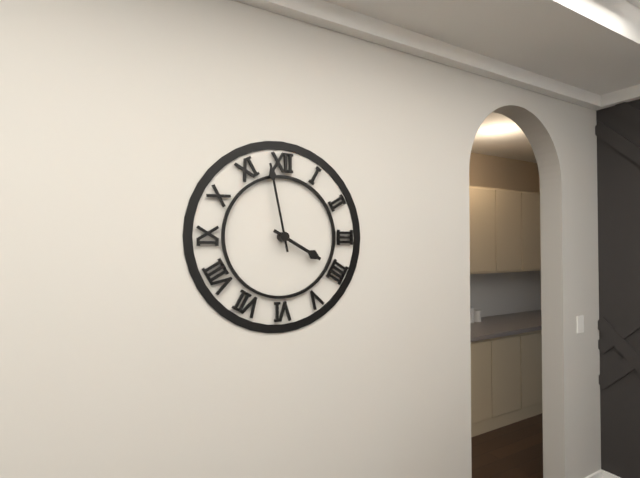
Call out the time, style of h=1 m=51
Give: h=3 m=58
